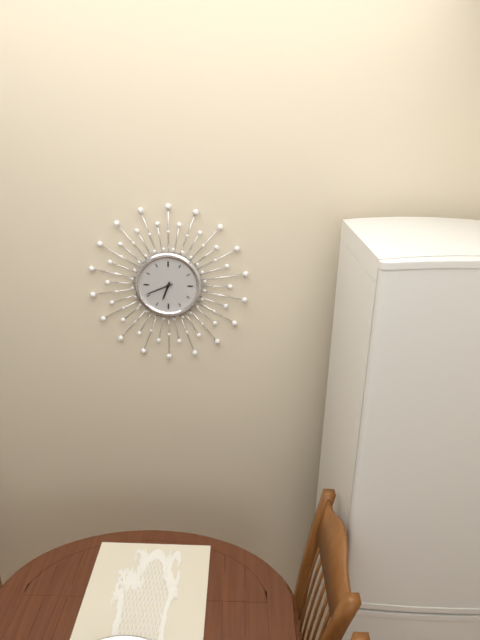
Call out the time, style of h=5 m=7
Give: h=6 m=41
